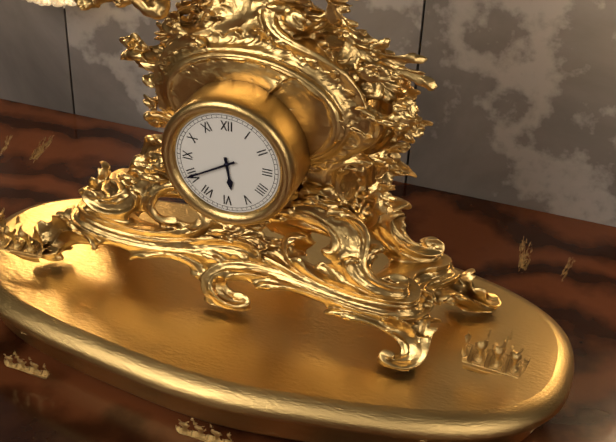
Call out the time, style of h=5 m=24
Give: h=5 m=40
